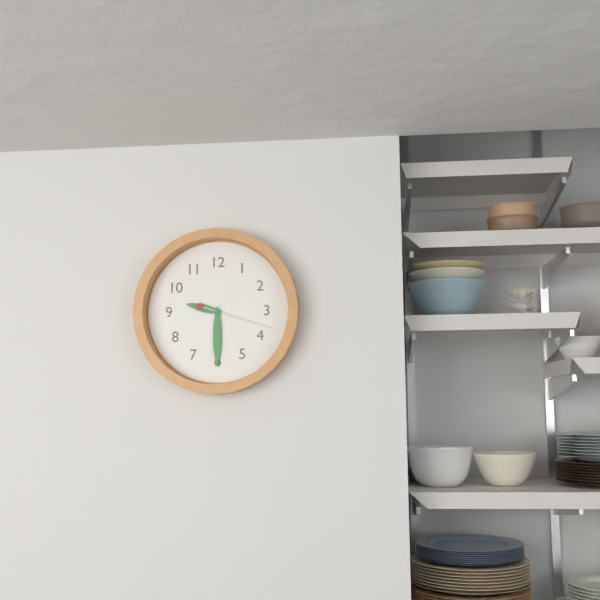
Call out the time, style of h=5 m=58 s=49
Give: h=9 m=30 s=18
